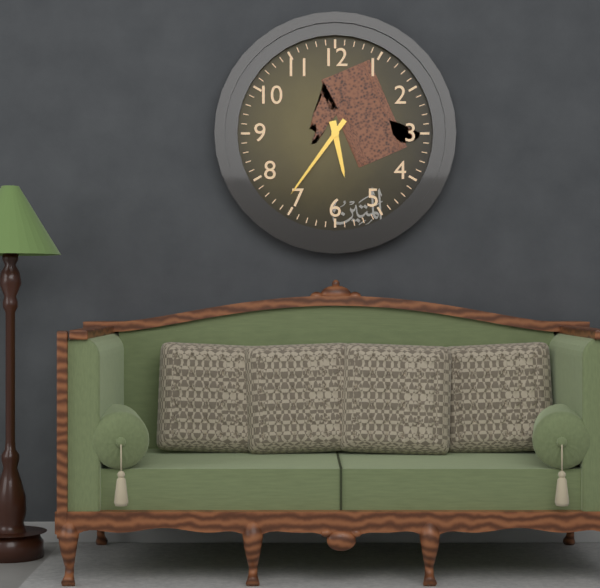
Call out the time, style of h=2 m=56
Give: h=5 m=36
